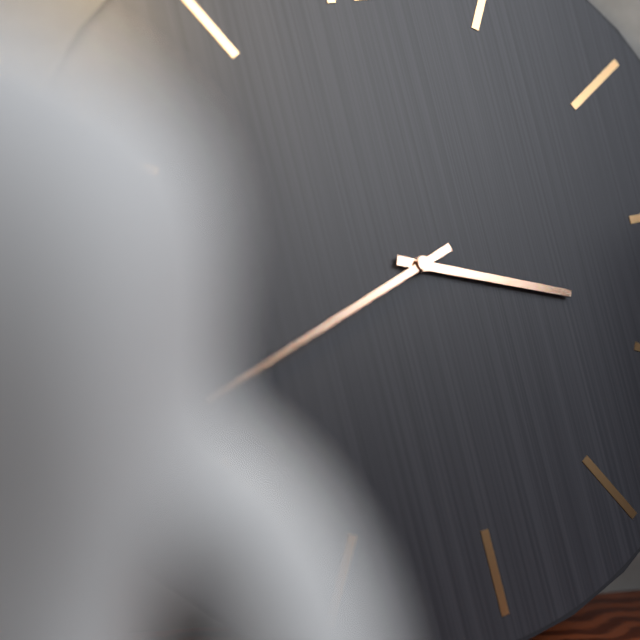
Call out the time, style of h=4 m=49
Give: h=3 m=42
